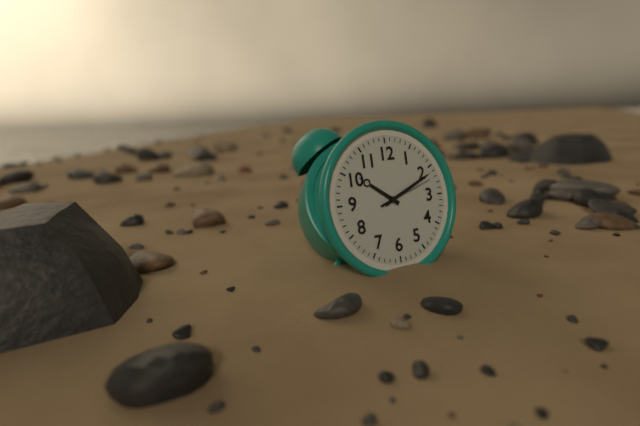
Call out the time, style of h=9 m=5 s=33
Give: h=10 m=11 s=12
